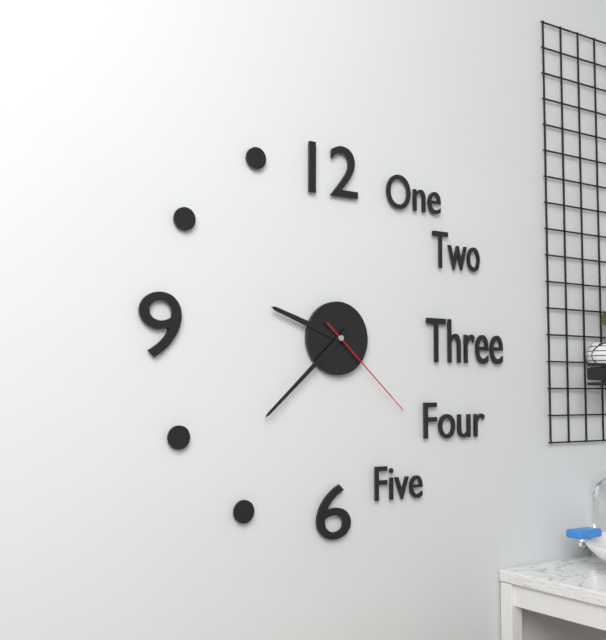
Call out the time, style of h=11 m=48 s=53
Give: h=9 m=38 s=22
